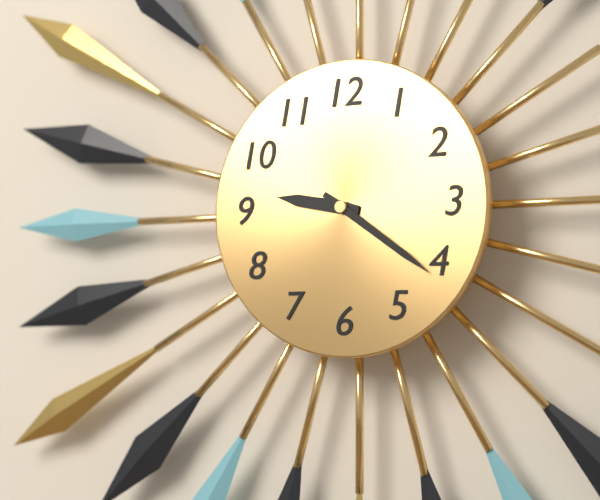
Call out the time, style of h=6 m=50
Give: h=9 m=21
